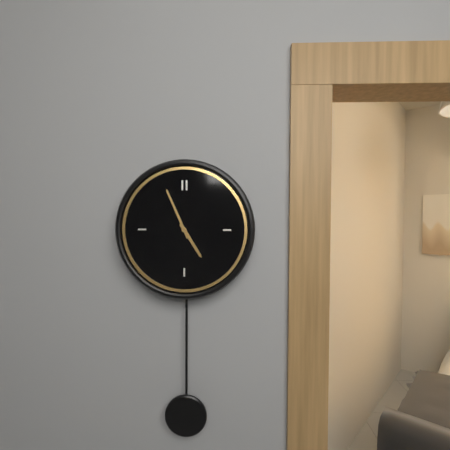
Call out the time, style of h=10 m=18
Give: h=4 m=56
